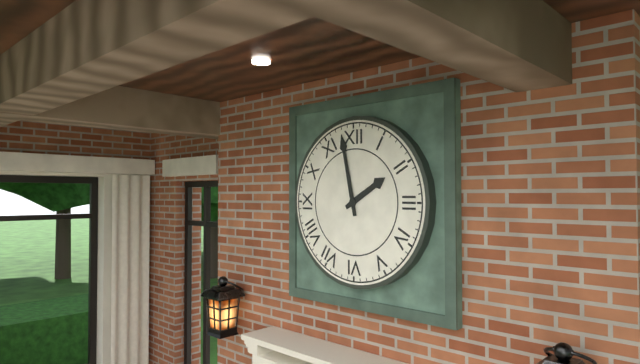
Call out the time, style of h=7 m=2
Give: h=1 m=58
